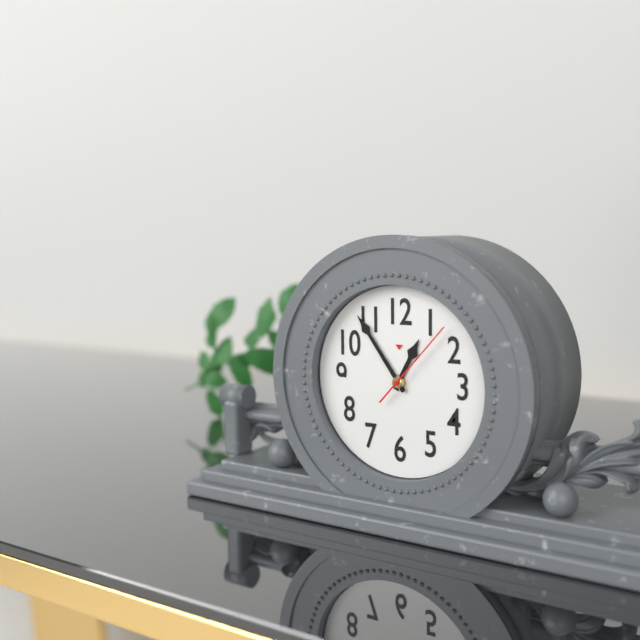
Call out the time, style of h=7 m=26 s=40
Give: h=12 m=54 s=7
